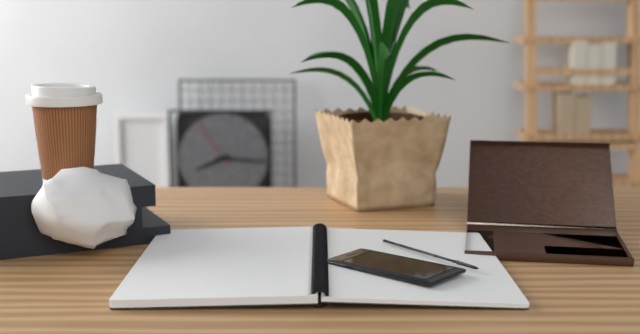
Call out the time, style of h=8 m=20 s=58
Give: h=8 m=16 s=54
